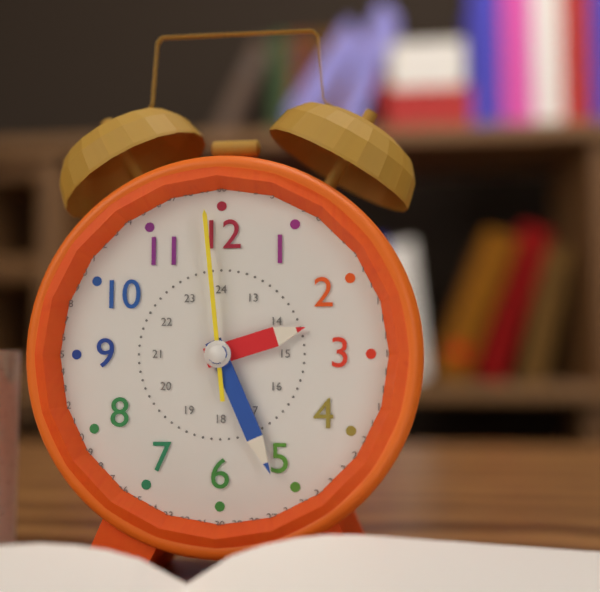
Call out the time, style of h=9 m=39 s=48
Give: h=2 m=26 s=59
